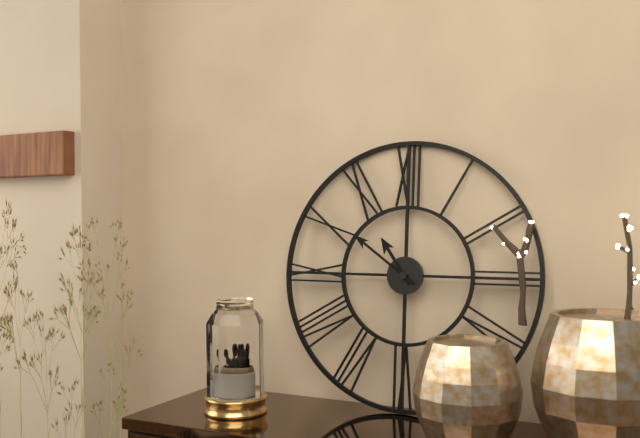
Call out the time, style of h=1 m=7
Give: h=10 m=51
